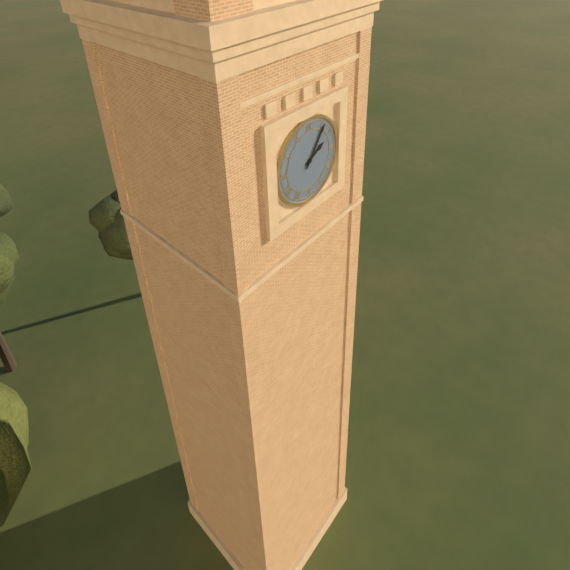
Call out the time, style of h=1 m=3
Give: h=2 m=6
